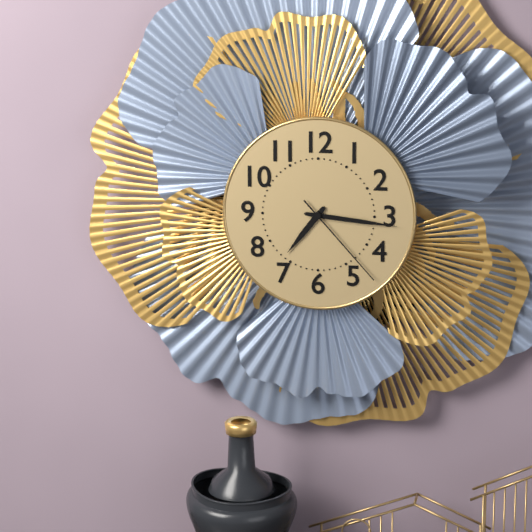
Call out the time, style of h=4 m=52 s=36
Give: h=7 m=16 s=23
